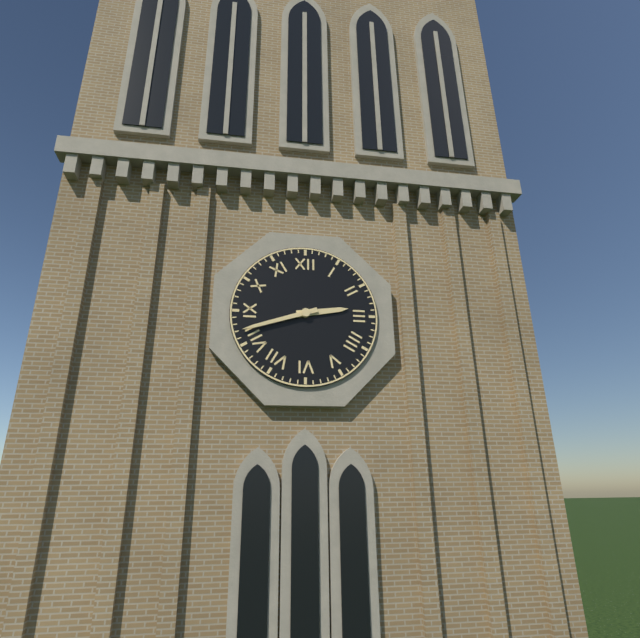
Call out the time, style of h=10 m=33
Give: h=2 m=42
